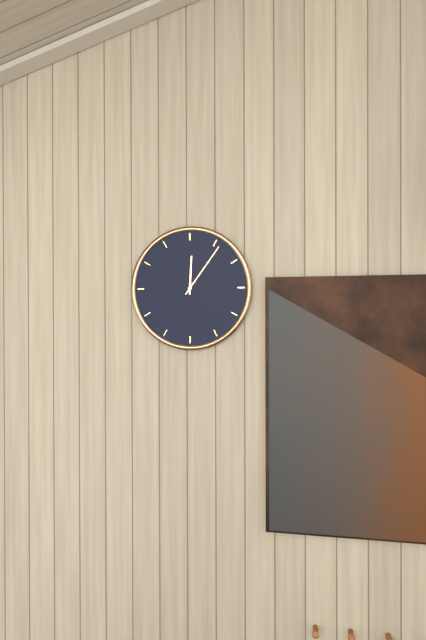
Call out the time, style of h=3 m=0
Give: h=12 m=6
